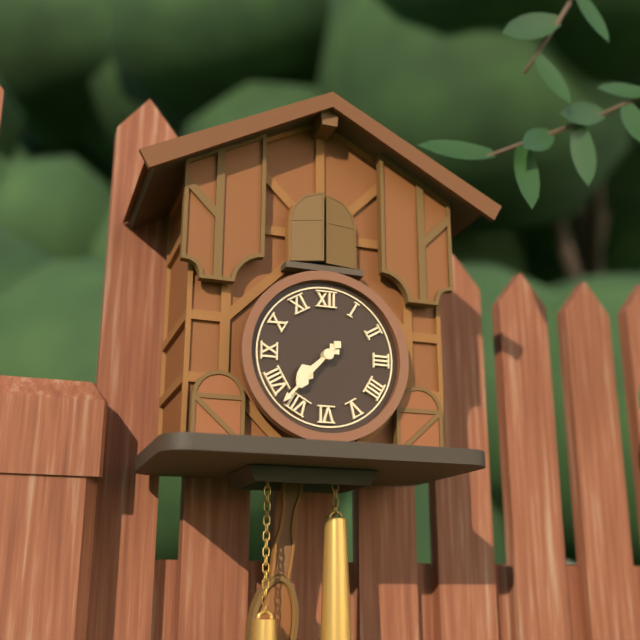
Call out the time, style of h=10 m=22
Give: h=7 m=37
